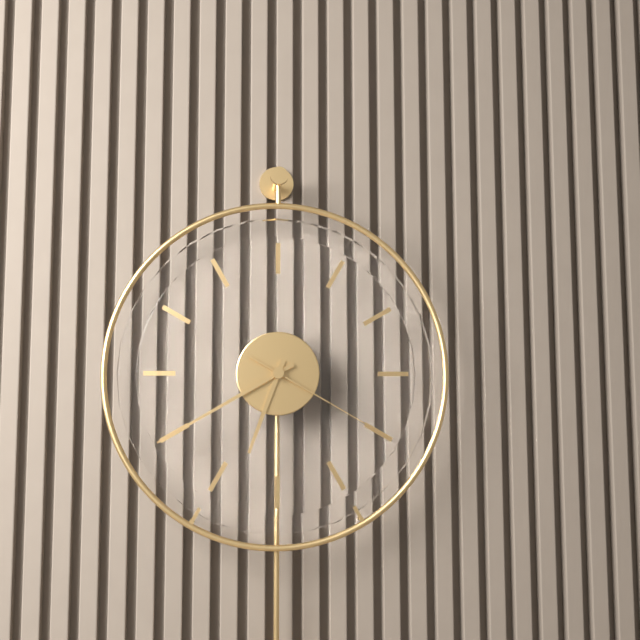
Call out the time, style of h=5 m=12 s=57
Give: h=6 m=40 s=20
